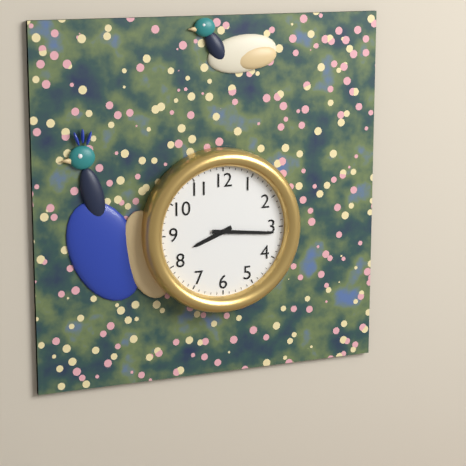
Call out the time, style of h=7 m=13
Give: h=8 m=16
